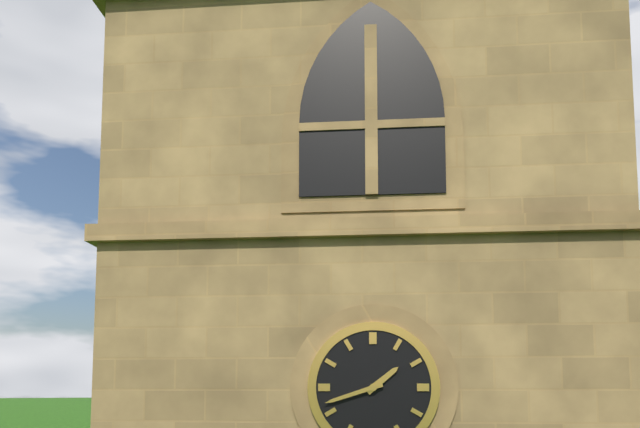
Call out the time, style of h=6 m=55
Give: h=1 m=42
